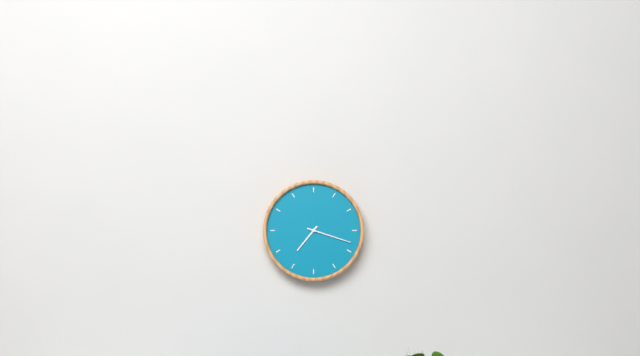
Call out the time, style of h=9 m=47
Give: h=7 m=18
